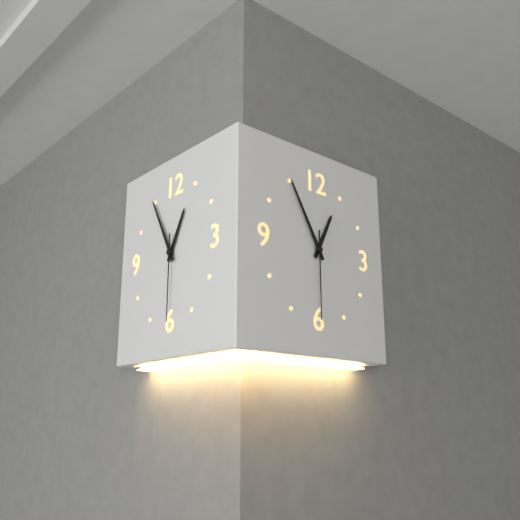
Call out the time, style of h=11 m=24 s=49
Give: h=12 m=55 s=30
